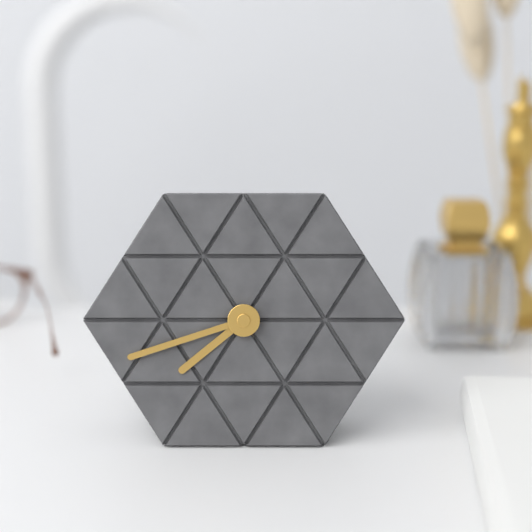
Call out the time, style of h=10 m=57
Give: h=7 m=42
